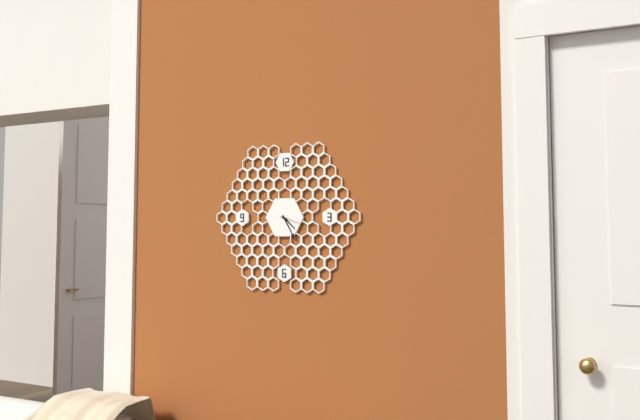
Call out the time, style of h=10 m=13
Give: h=4 m=25
